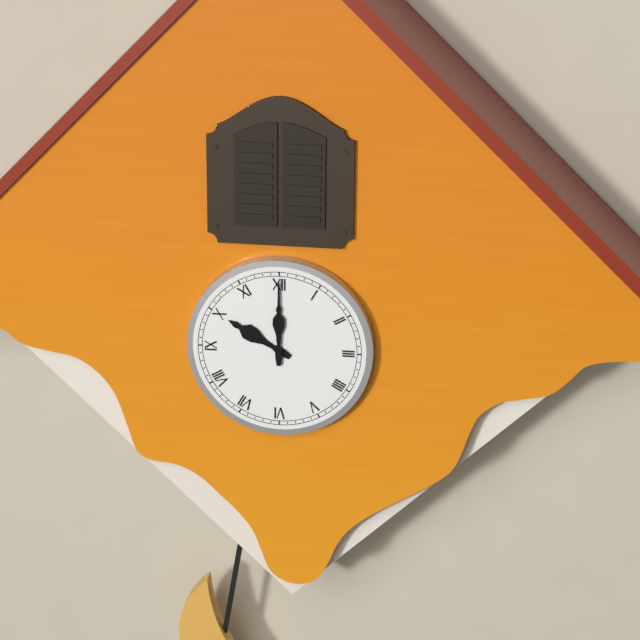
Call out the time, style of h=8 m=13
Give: h=10 m=0
